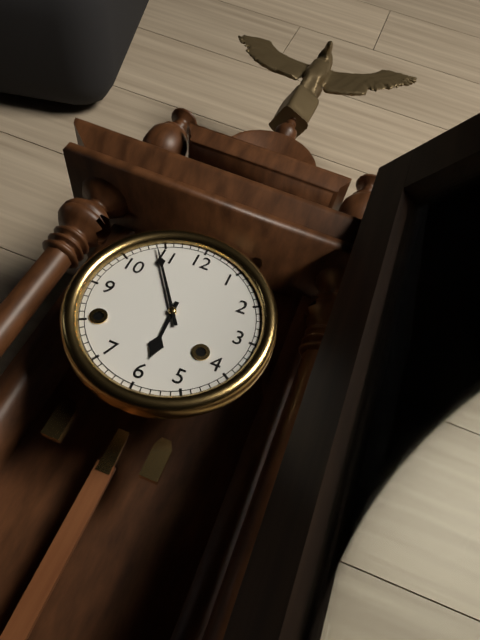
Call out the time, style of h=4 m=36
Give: h=5 m=54
